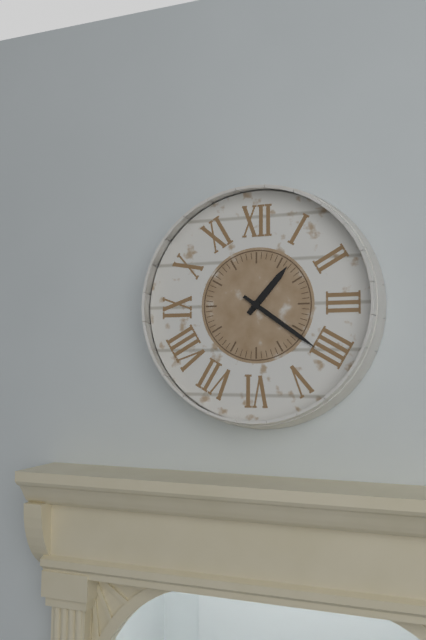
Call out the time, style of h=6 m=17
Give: h=1 m=21
